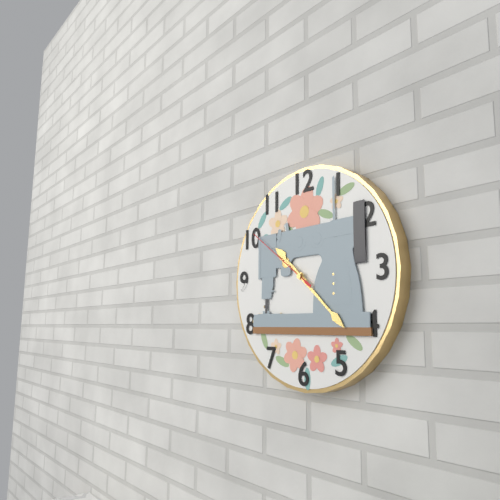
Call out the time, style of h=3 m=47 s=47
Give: h=10 m=22 s=51
